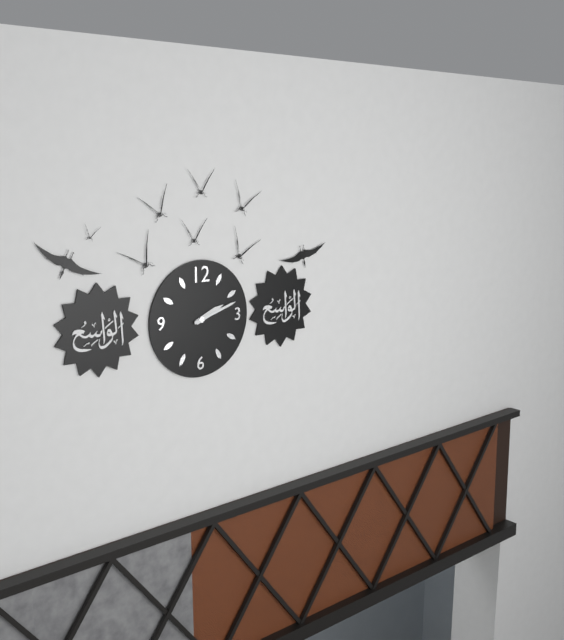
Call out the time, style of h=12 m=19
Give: h=2 m=12
